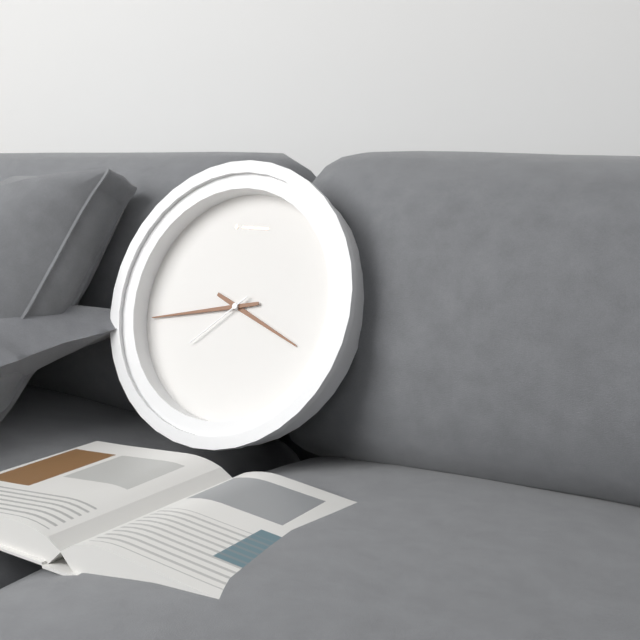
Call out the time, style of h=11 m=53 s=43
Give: h=3 m=43 s=38
